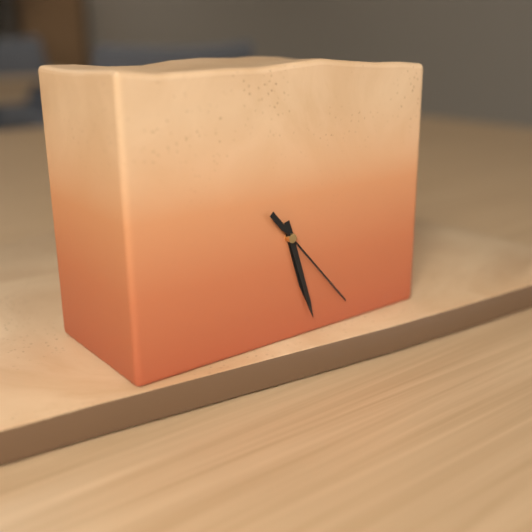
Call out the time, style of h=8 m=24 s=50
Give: h=5 m=27 s=23
